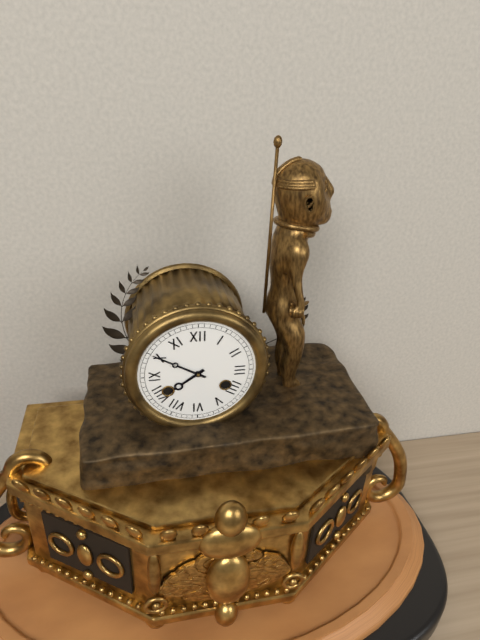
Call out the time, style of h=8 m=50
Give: h=7 m=50
